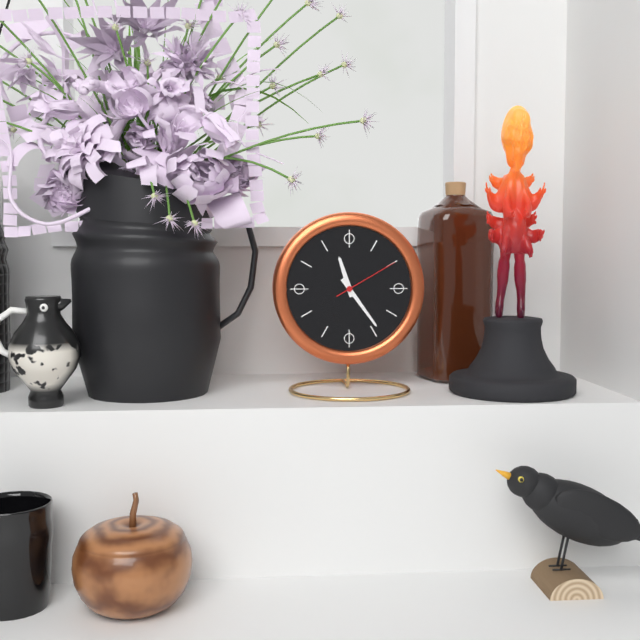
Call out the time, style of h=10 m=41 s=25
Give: h=11 m=24 s=10
